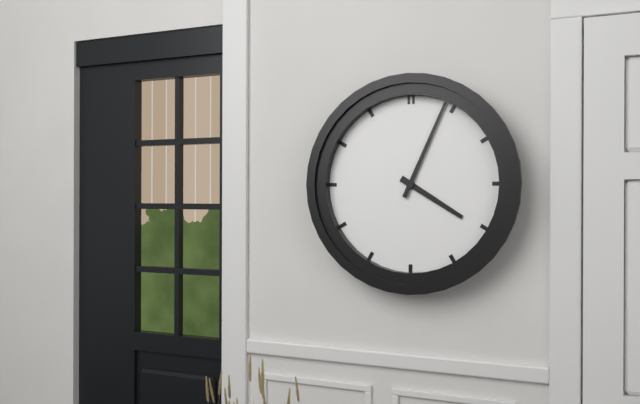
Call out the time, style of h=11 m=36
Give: h=4 m=4
